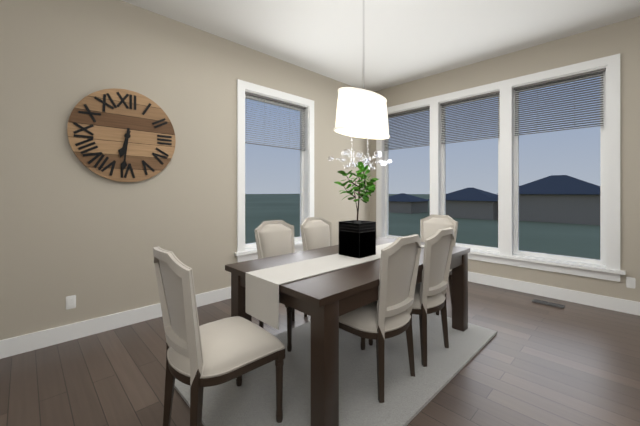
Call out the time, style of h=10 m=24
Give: h=6 m=31
